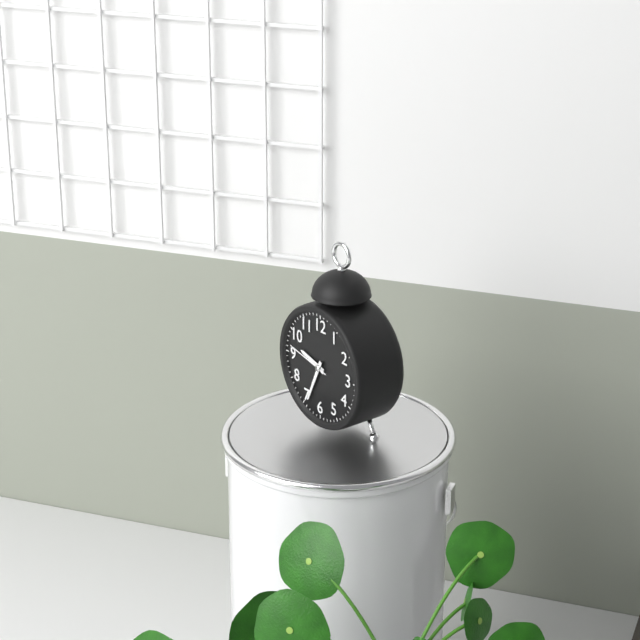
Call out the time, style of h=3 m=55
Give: h=9 m=34
